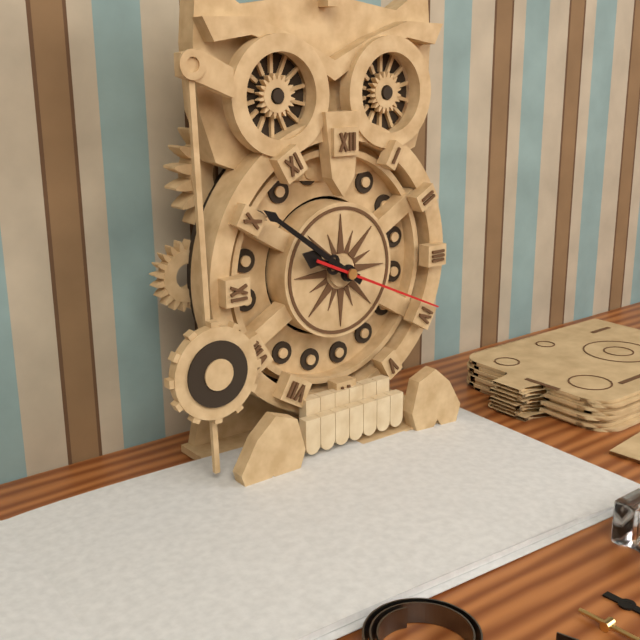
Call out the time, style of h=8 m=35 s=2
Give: h=9 m=51 s=19
